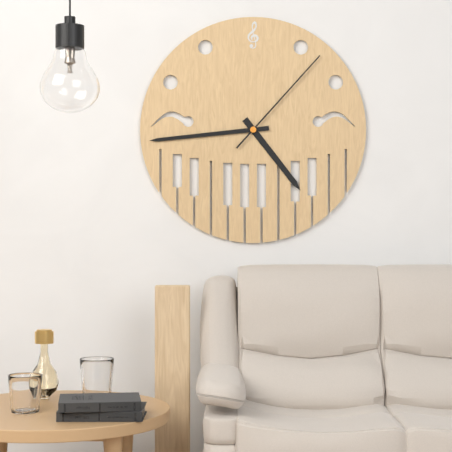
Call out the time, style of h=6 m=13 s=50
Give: h=4 m=44 s=7
